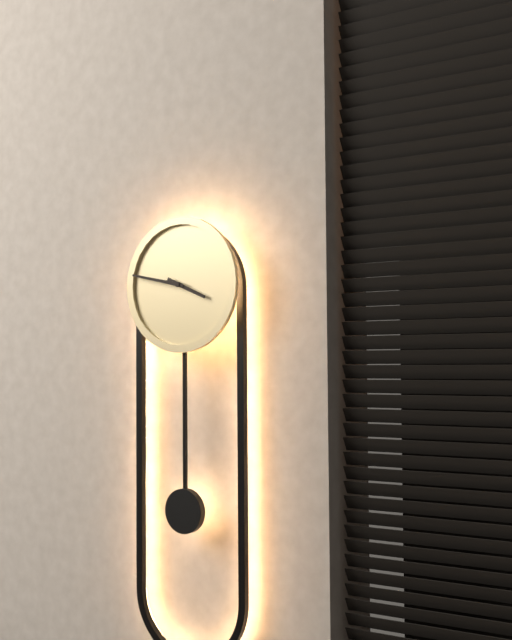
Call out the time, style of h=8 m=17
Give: h=3 m=47
